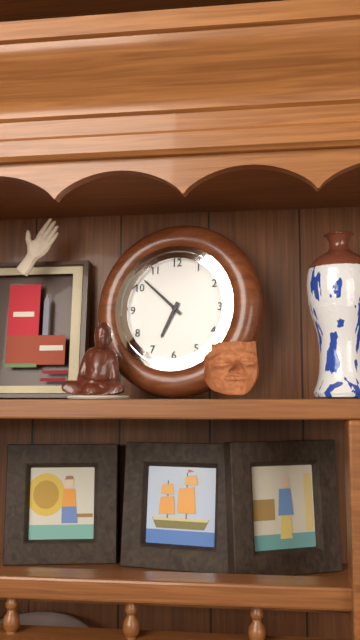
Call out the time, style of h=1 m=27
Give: h=6 m=52
